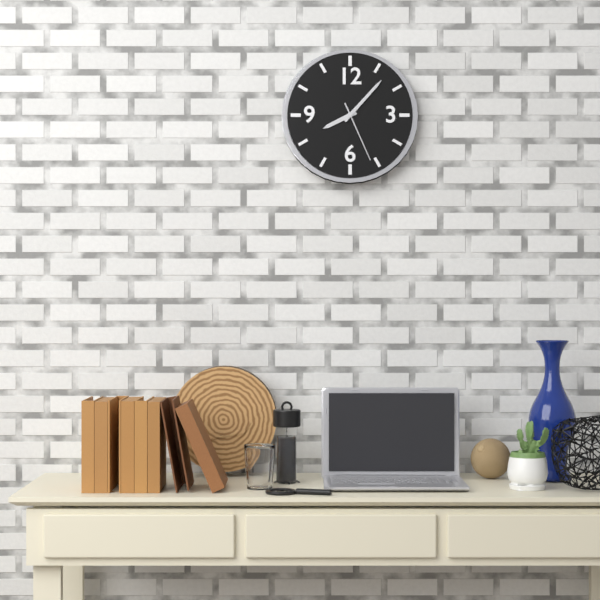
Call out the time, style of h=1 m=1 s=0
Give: h=8 m=7 s=26
